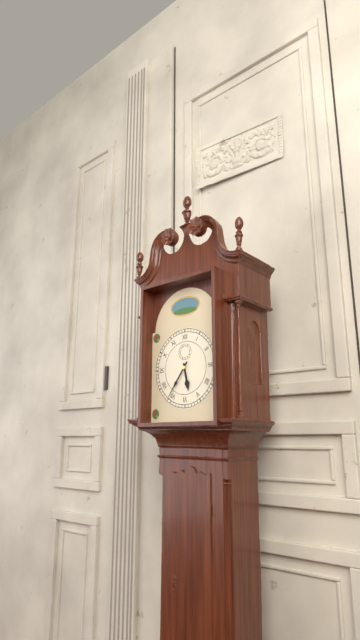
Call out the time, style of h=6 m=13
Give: h=5 m=36
